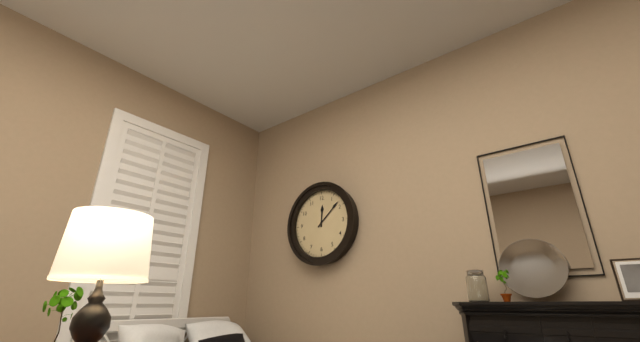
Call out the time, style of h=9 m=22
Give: h=12 m=8
